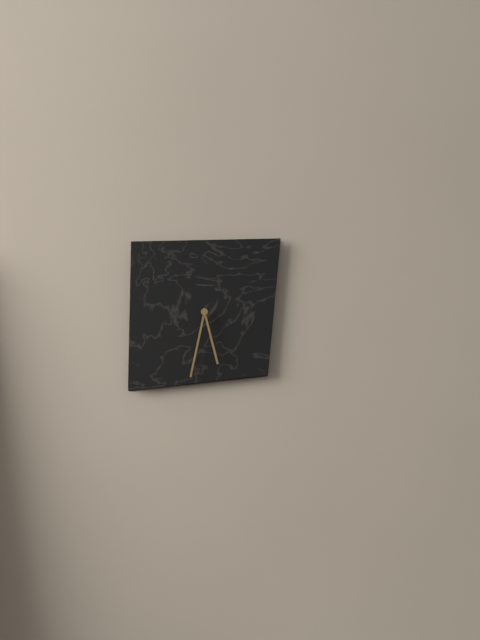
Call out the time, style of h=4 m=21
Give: h=5 m=32
